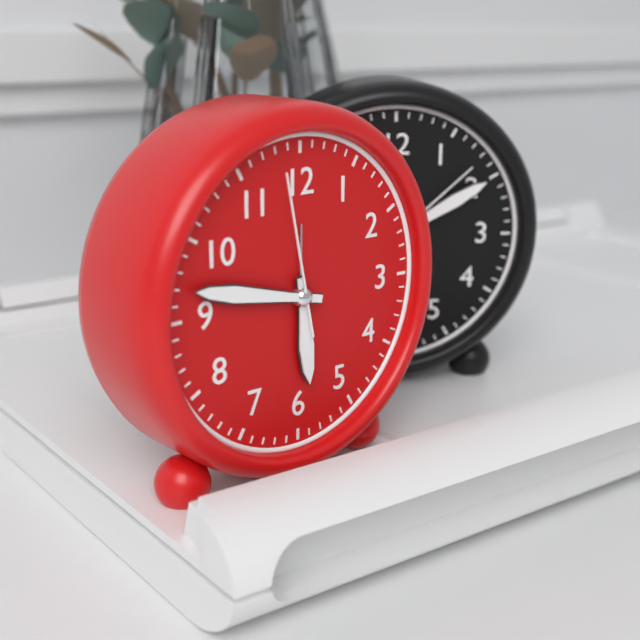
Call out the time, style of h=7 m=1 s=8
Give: h=5 m=47 s=58
